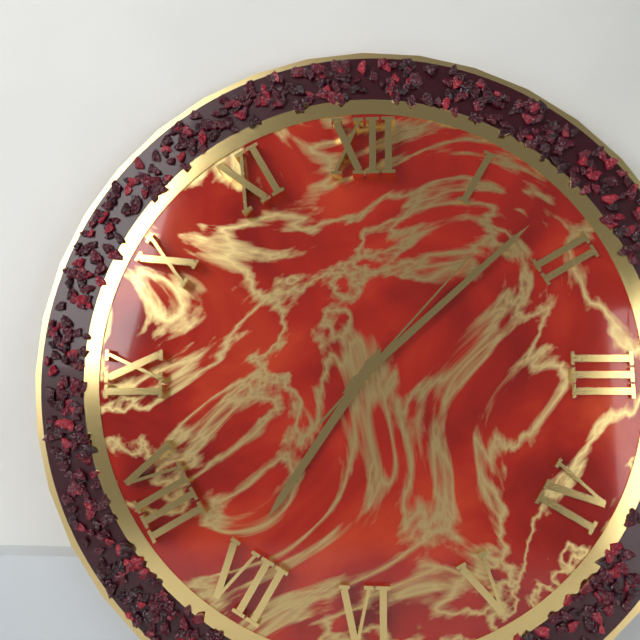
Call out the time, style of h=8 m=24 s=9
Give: h=7 m=8 s=7
